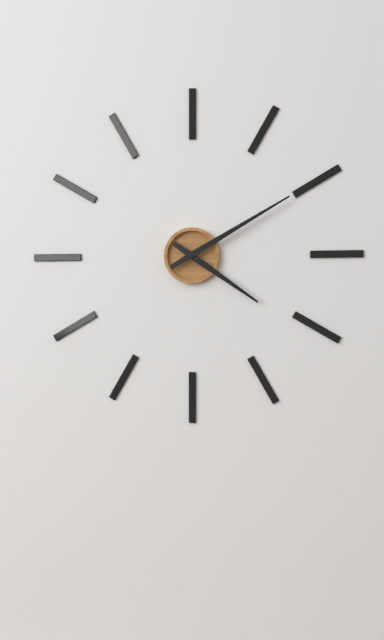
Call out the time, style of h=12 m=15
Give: h=4 m=10
